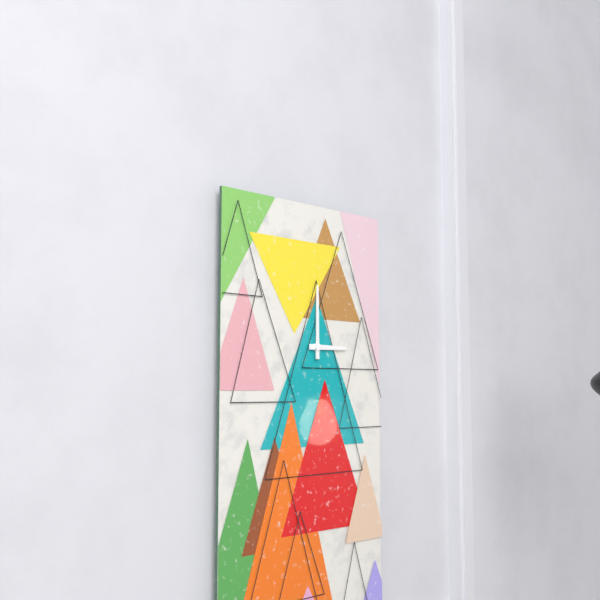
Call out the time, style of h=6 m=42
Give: h=3 m=0
